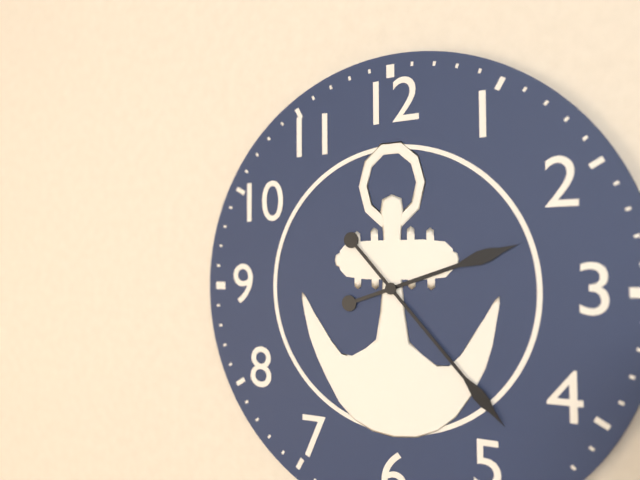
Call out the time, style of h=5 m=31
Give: h=2 m=23
